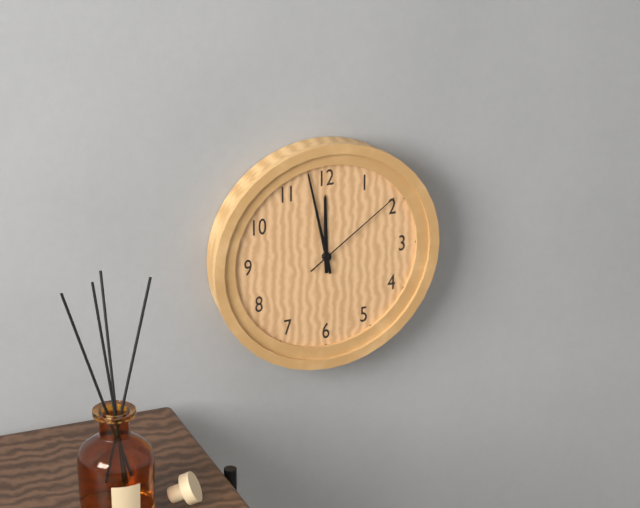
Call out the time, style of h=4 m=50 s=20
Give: h=11 m=58 s=9
